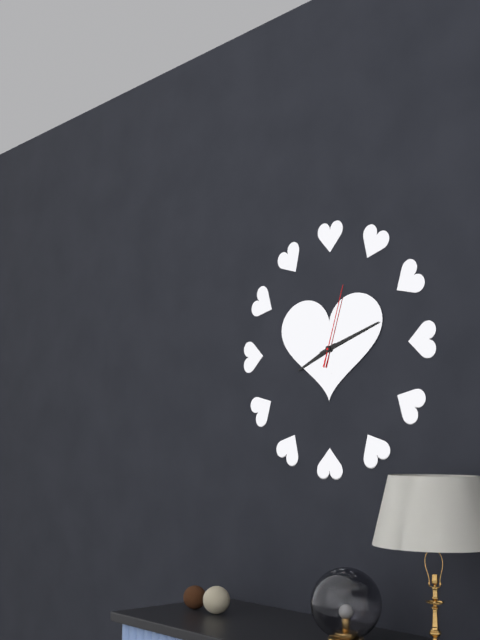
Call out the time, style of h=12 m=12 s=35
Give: h=8 m=12 s=3
